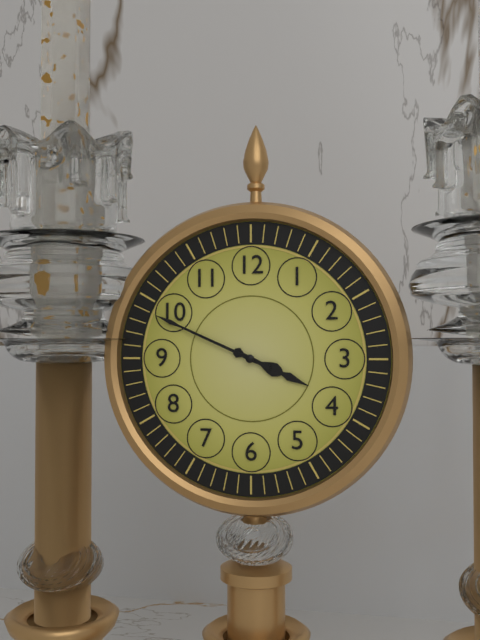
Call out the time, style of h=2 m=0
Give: h=3 m=49
